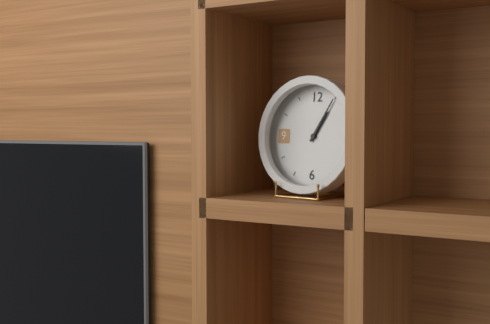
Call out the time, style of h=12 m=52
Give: h=1 m=5
